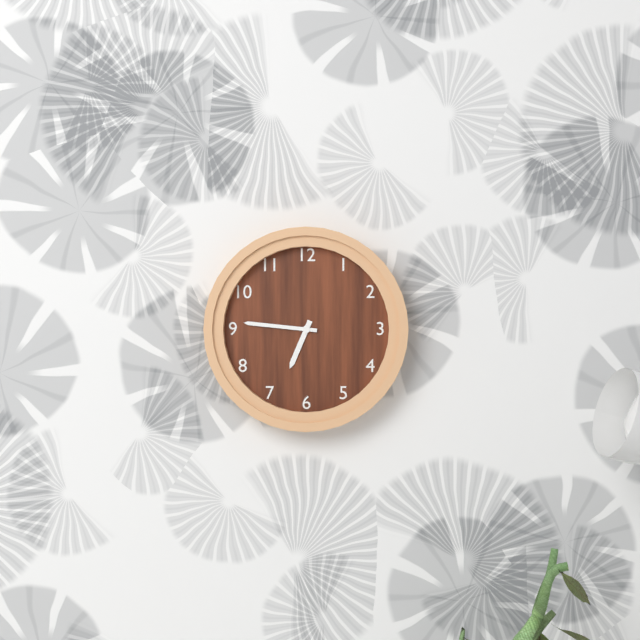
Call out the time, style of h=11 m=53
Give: h=6 m=46
